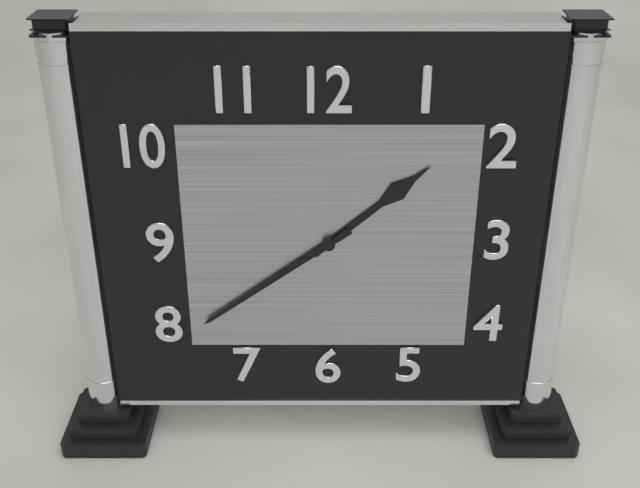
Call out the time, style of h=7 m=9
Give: h=1 m=39
